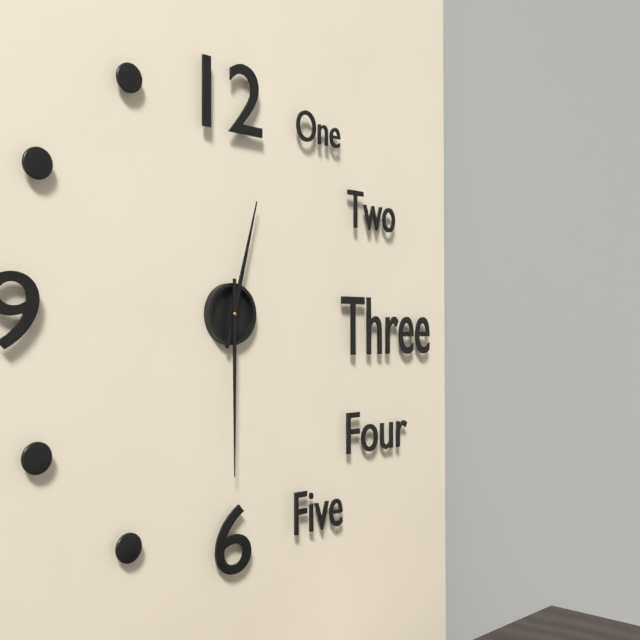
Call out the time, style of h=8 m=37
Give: h=12 m=30
